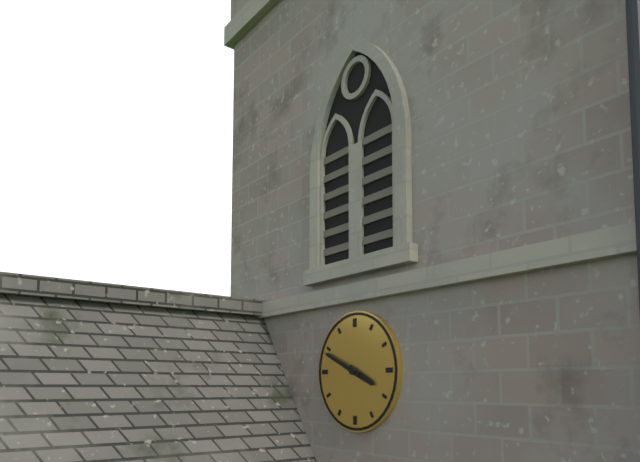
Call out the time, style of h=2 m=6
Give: h=3 m=49
